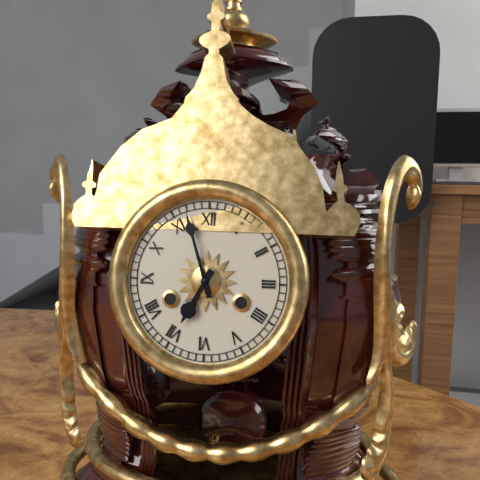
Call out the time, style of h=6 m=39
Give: h=6 m=57
